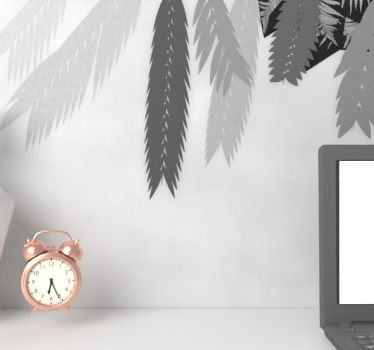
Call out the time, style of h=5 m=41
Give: h=6 m=26
